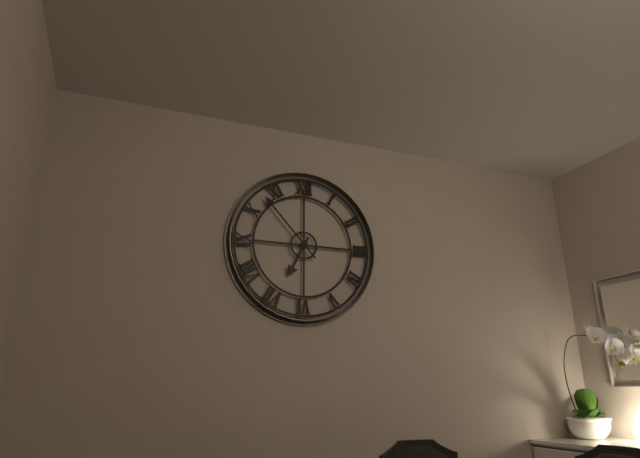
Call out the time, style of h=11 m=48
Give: h=6 m=53
